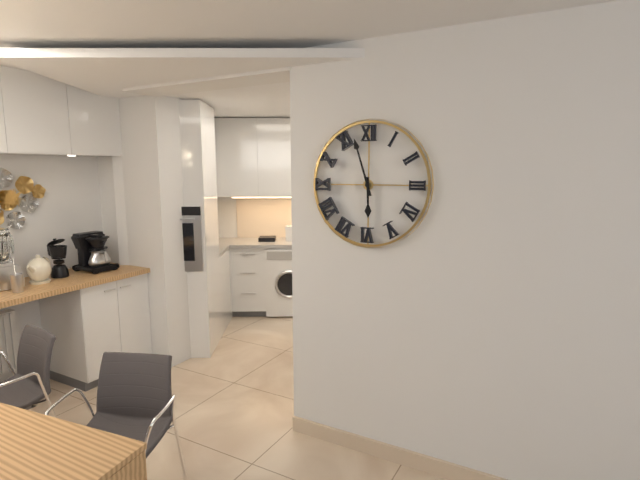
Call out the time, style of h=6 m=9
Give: h=5 m=57
